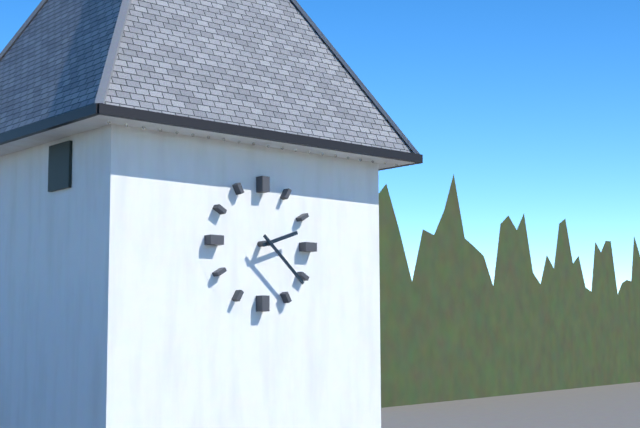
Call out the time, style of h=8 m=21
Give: h=2 m=22
